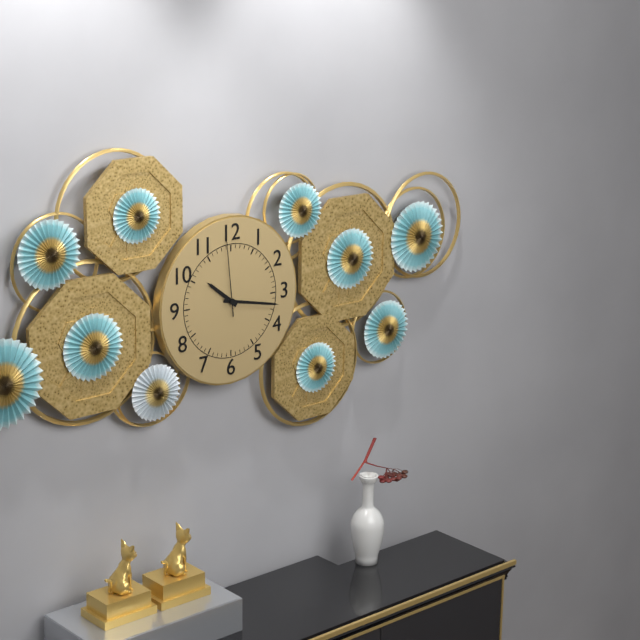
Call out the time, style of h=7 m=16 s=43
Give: h=10 m=17 s=59
